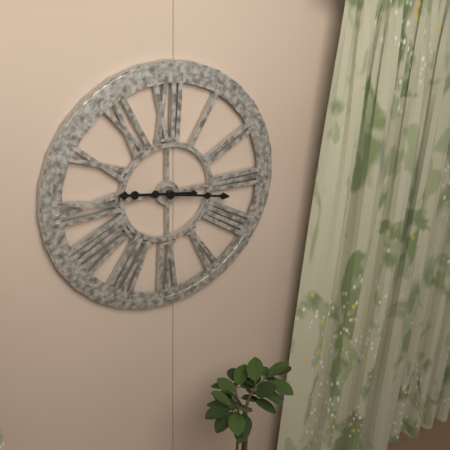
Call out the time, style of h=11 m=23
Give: h=9 m=17
